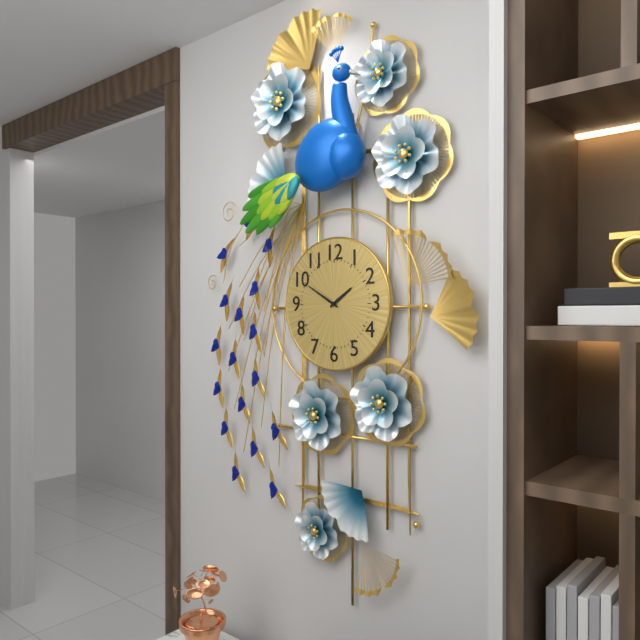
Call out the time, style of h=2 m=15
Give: h=1 m=50
